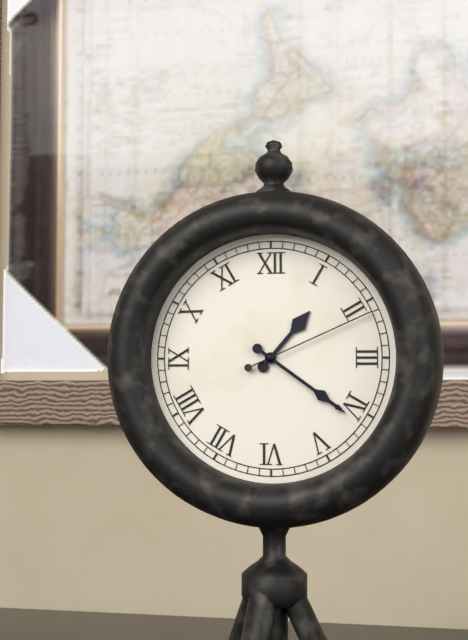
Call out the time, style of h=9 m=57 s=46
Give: h=1 m=21 s=11
